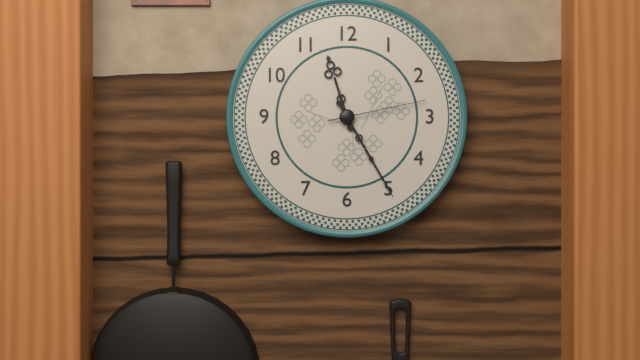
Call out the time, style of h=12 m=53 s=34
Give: h=11 m=25 s=13
